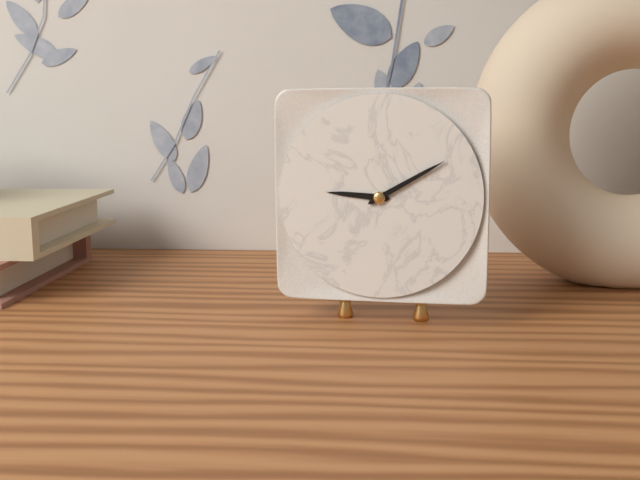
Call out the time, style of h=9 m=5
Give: h=9 m=10
